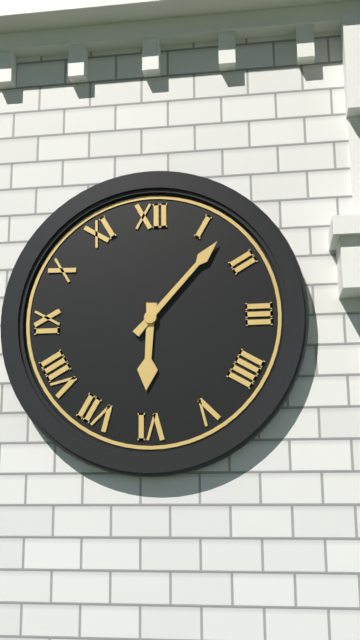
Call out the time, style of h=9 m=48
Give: h=6 m=7
